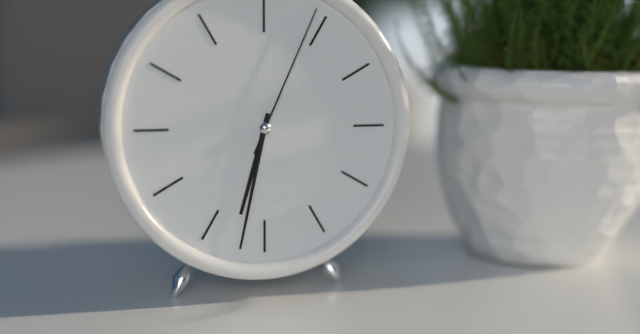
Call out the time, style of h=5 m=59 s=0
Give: h=6 m=32 s=4
